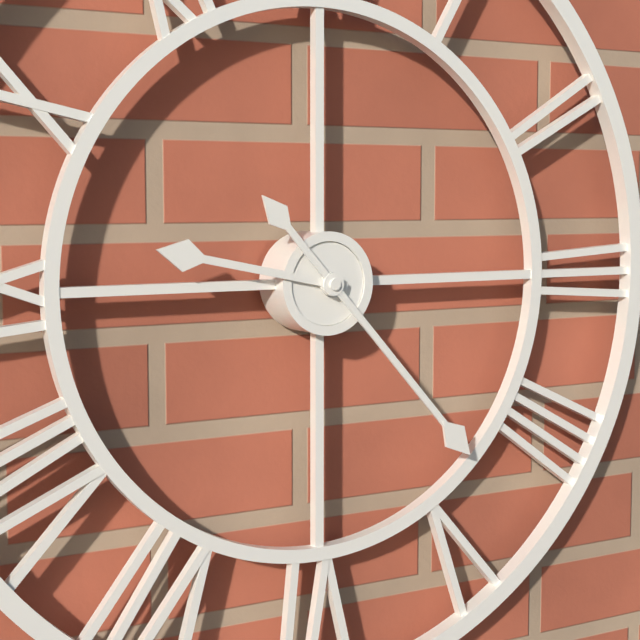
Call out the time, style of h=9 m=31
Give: h=9 m=23
